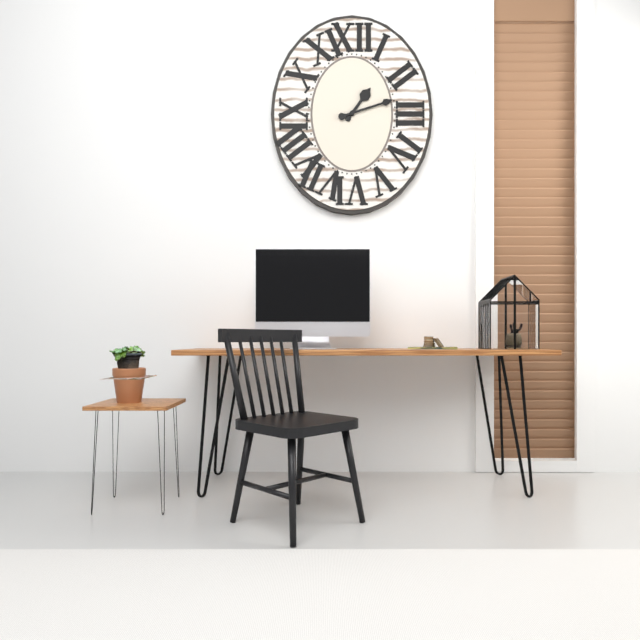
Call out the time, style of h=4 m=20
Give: h=1 m=12
